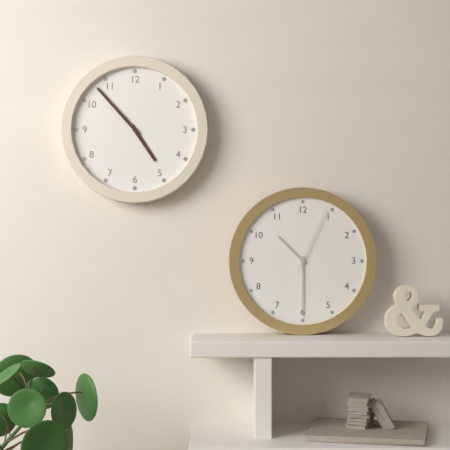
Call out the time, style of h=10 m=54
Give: h=4 m=53
